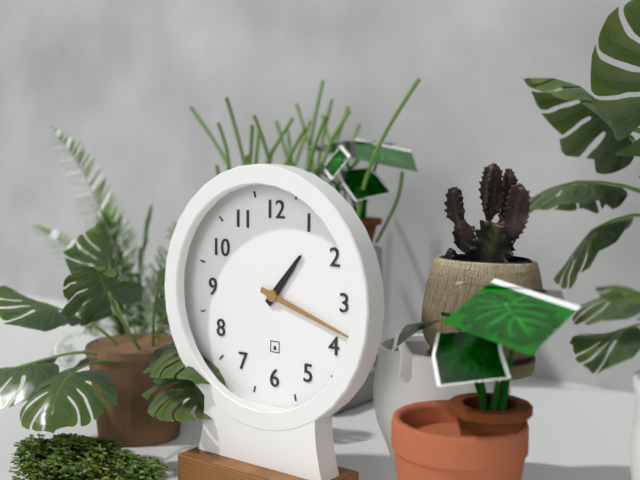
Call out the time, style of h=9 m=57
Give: h=1 m=18
